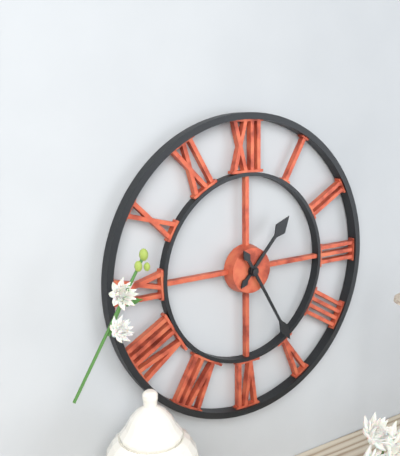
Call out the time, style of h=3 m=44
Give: h=1 m=25
